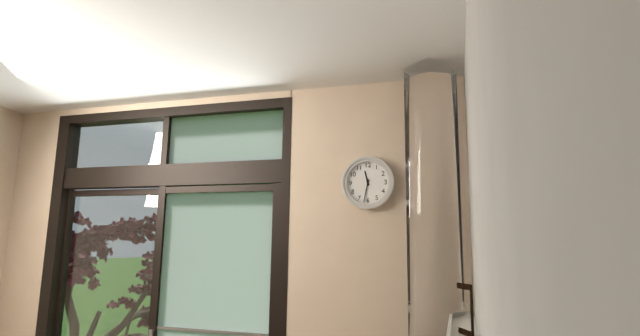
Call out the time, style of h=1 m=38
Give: h=11 m=32
